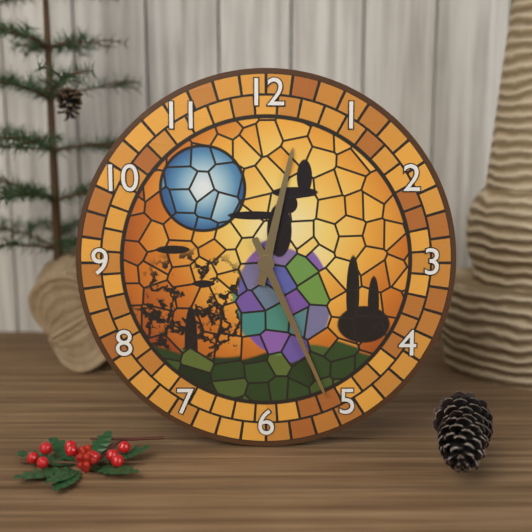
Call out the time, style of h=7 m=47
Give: h=12 m=26
